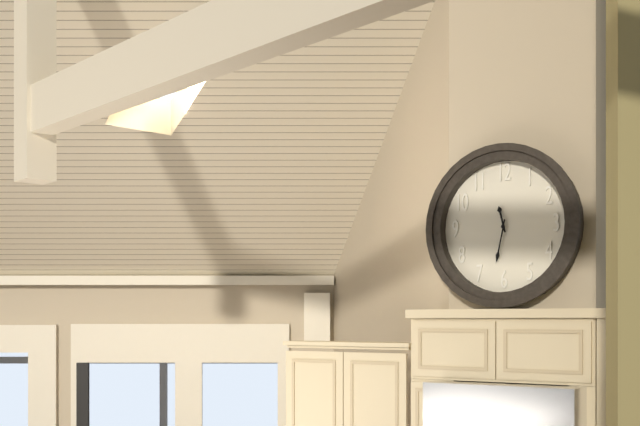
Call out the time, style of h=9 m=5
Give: h=11 m=32
